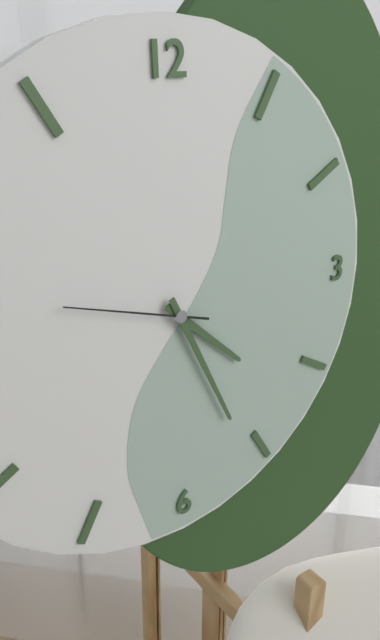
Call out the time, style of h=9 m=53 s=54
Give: h=4 m=26 s=48
